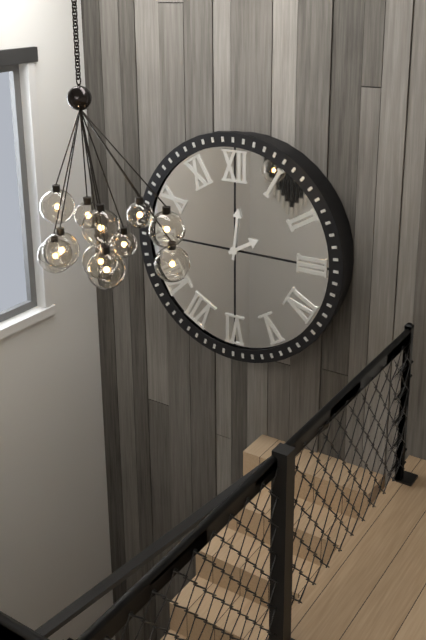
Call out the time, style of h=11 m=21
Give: h=2 m=1
